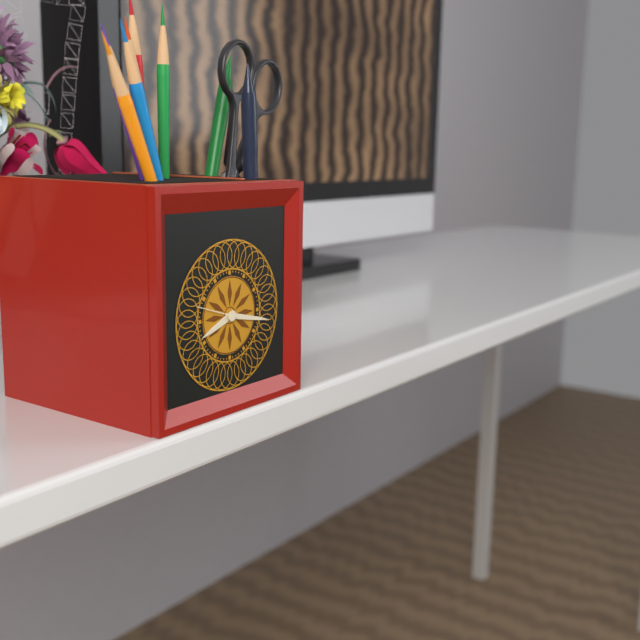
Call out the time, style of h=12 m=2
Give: h=8 m=17
